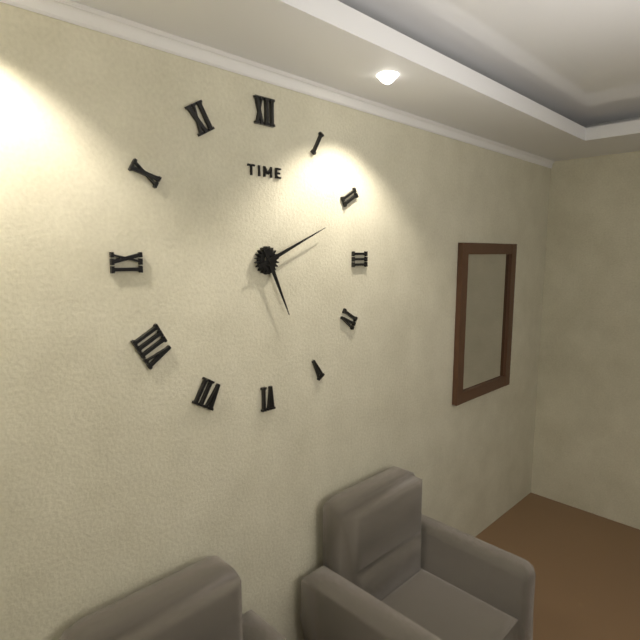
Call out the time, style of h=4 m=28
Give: h=5 m=11
